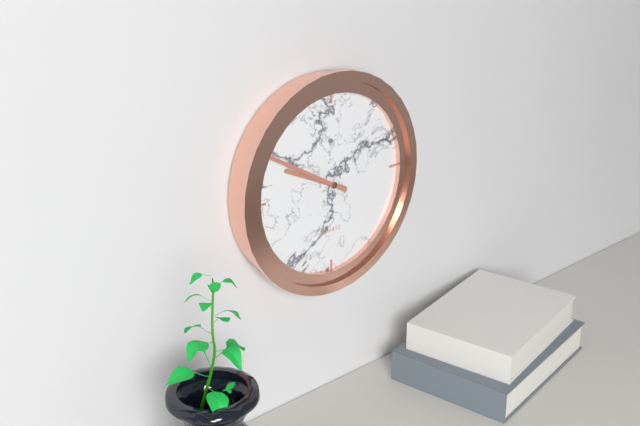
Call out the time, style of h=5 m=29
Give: h=9 m=50
